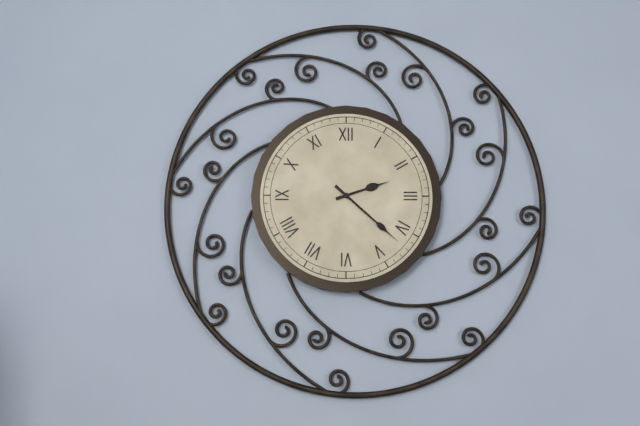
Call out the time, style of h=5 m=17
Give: h=2 m=22
